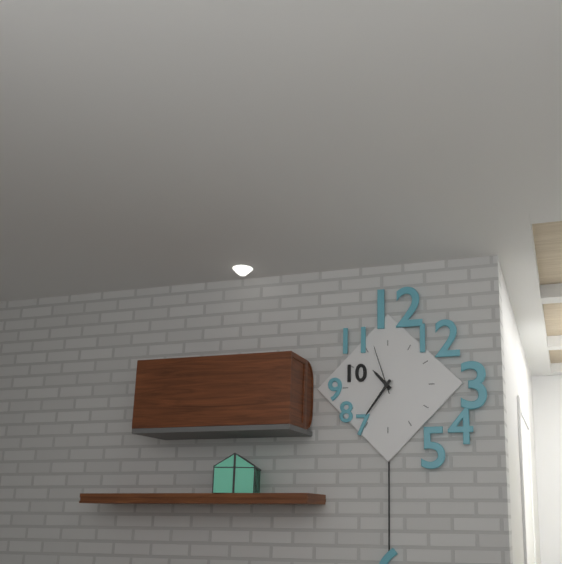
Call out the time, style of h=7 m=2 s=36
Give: h=10 m=36 s=57
